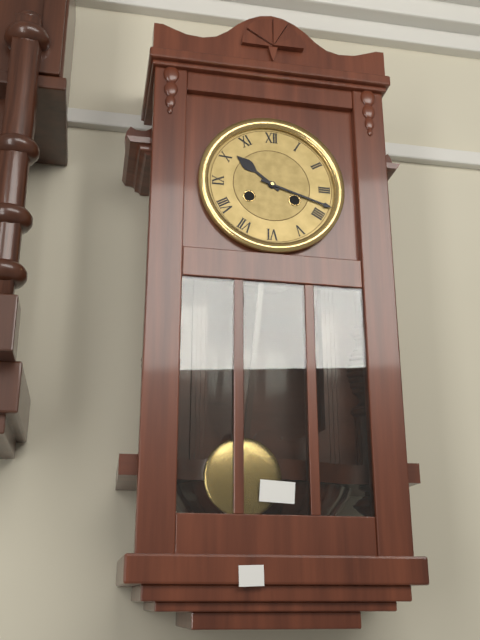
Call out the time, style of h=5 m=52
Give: h=10 m=18
